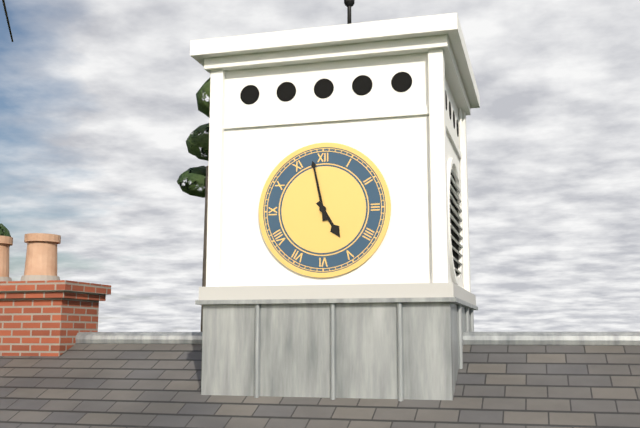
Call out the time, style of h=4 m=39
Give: h=4 m=58
